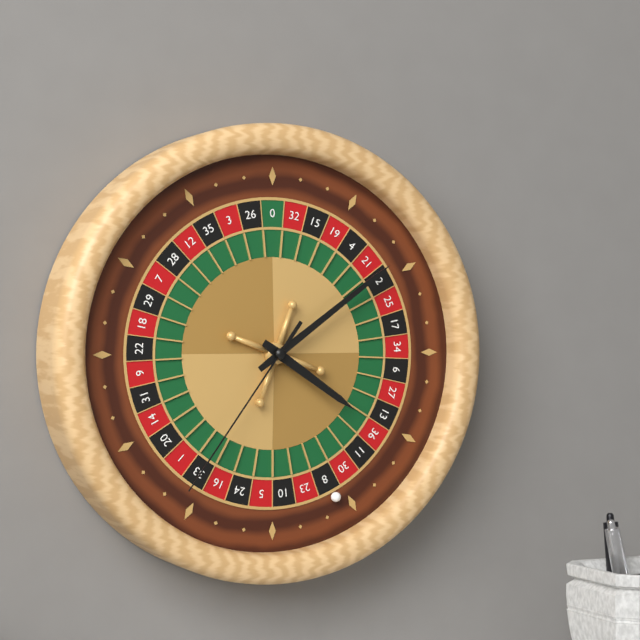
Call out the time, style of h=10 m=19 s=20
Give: h=4 m=9 s=36
